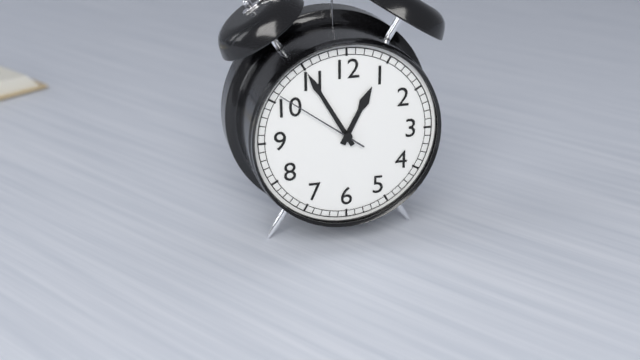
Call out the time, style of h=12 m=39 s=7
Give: h=12 m=55 s=51
